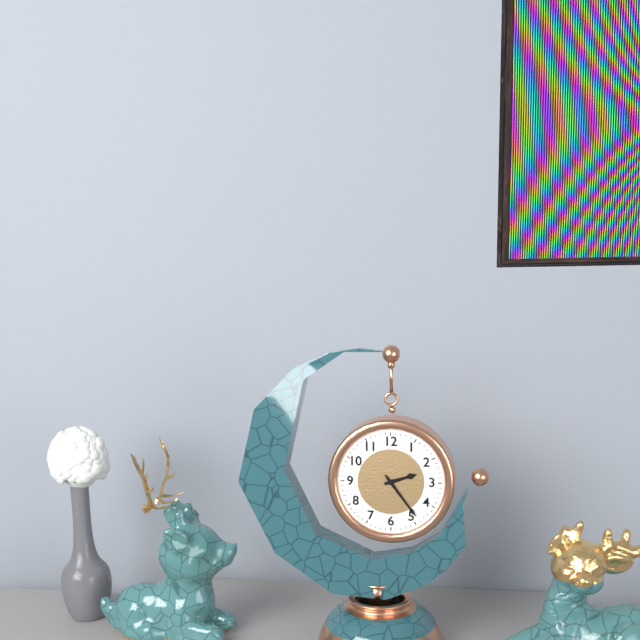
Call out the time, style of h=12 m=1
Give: h=2 m=24
